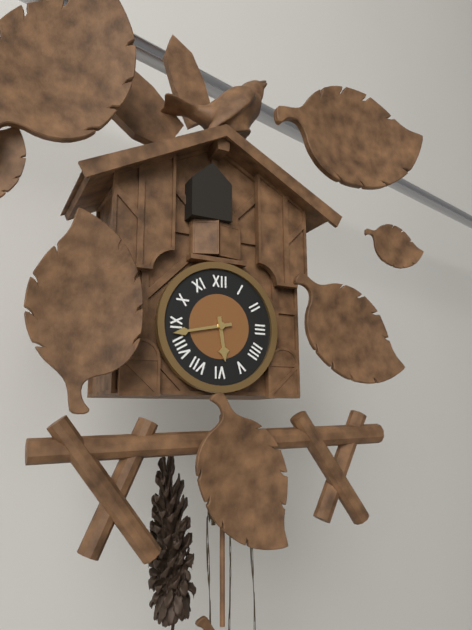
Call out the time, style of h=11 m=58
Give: h=5 m=43
